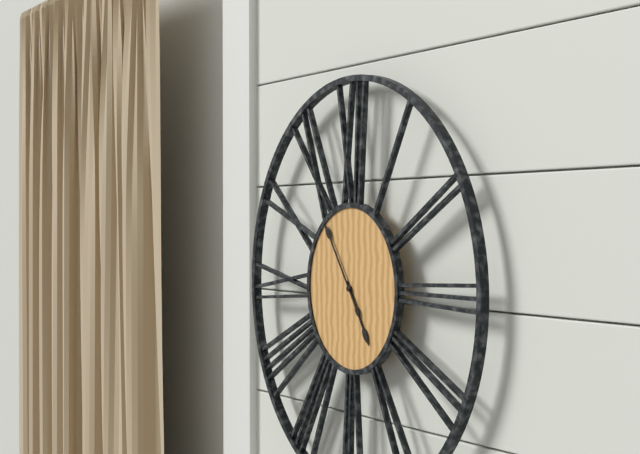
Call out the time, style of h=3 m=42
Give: h=4 m=54
